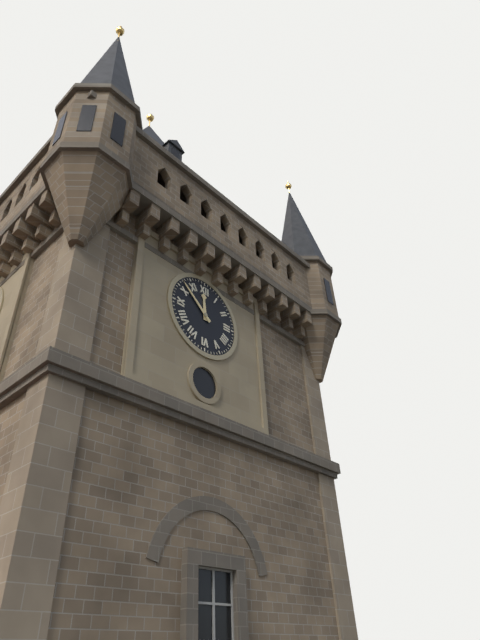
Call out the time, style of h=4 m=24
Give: h=11 m=52
